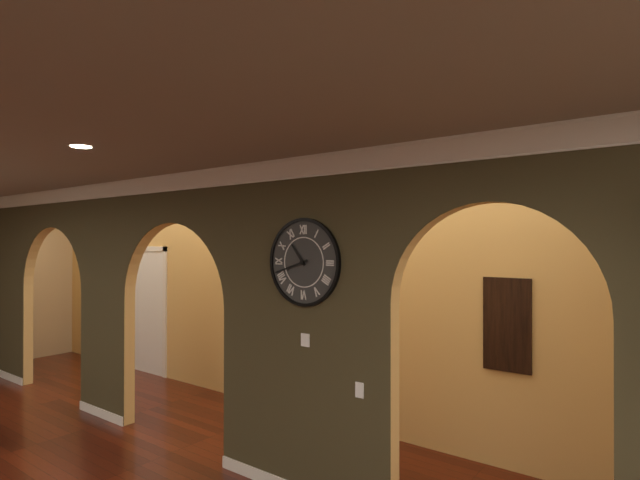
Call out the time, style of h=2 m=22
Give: h=10 m=42
